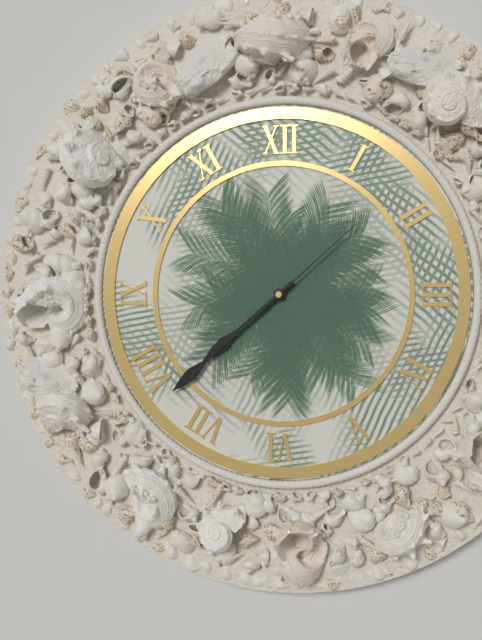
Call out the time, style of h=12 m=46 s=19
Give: h=7 m=38 s=8
